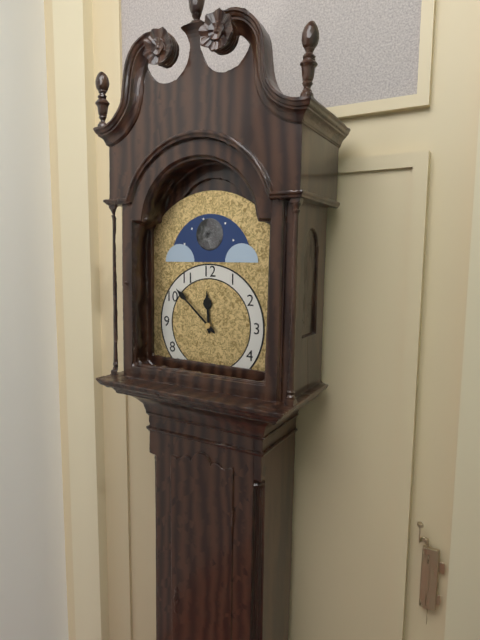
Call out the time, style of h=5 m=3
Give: h=11 m=52
